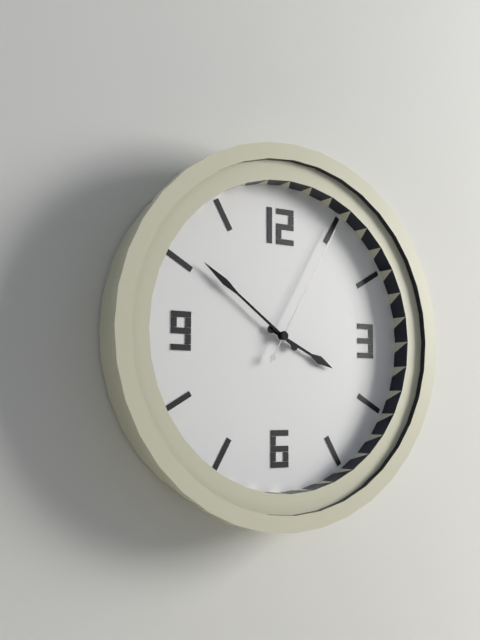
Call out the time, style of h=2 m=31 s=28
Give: h=3 m=51 s=5
